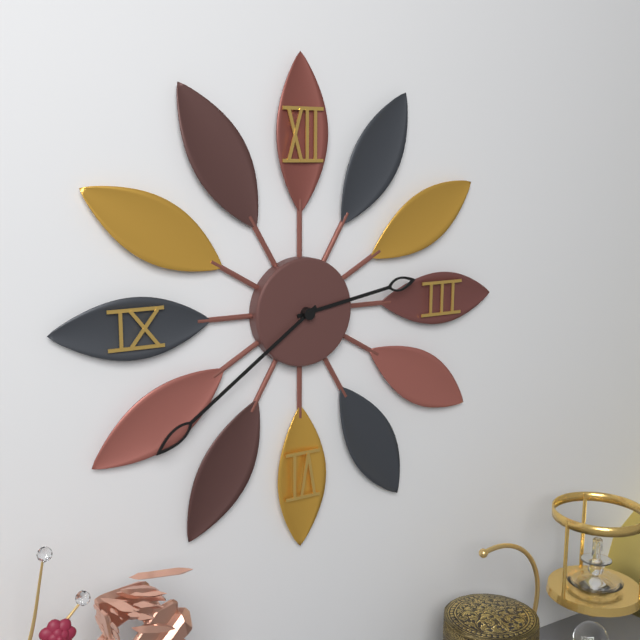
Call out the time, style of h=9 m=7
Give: h=2 m=39
